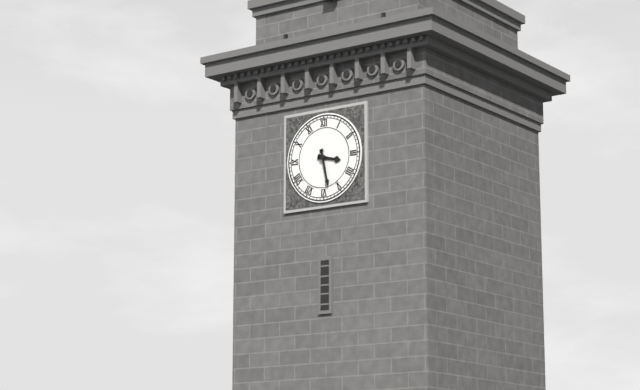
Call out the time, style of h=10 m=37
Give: h=3 m=28
